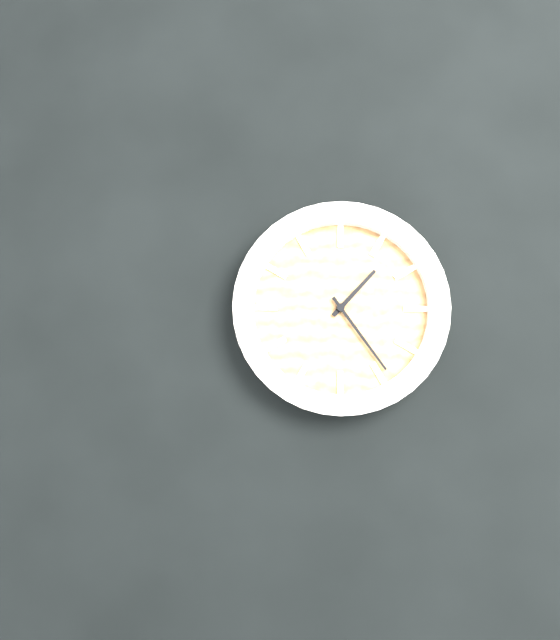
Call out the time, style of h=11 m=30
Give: h=1 m=24
